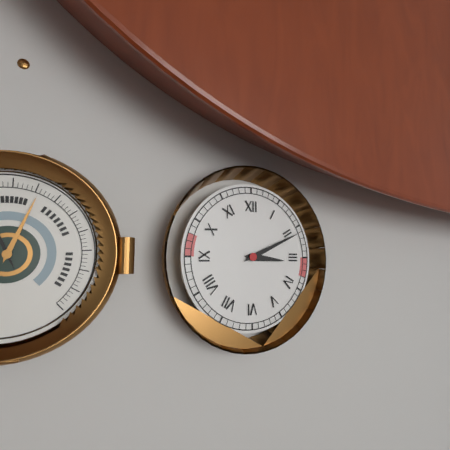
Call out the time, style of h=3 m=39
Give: h=3 m=11
